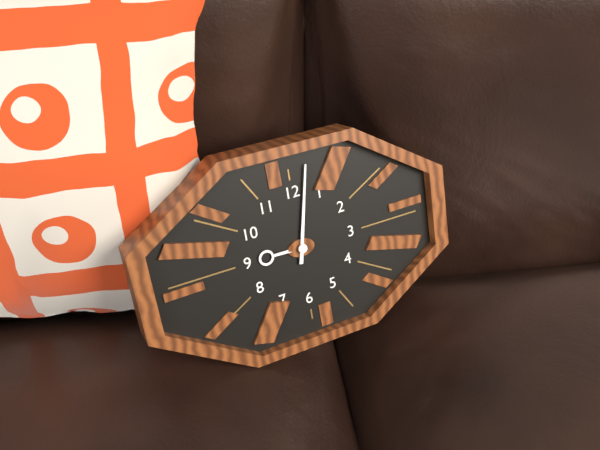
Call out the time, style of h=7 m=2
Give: h=9 m=2
